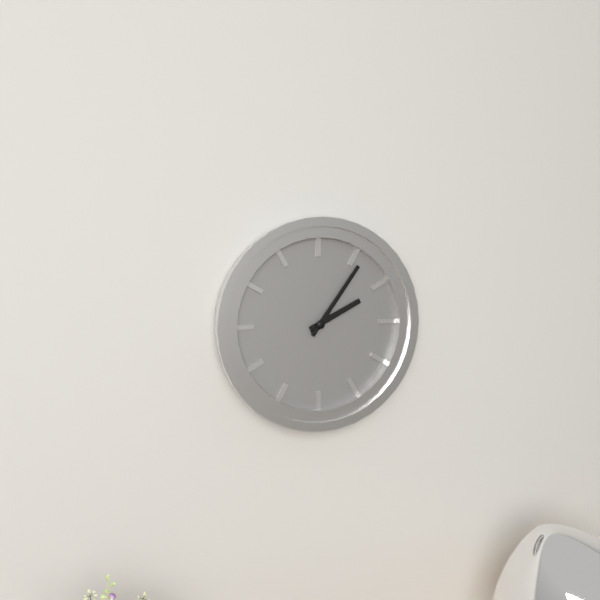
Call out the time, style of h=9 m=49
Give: h=2 m=6
